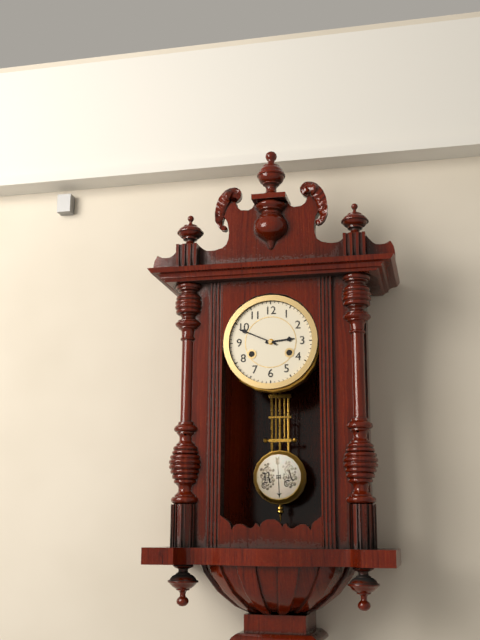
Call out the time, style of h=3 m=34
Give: h=2 m=49
